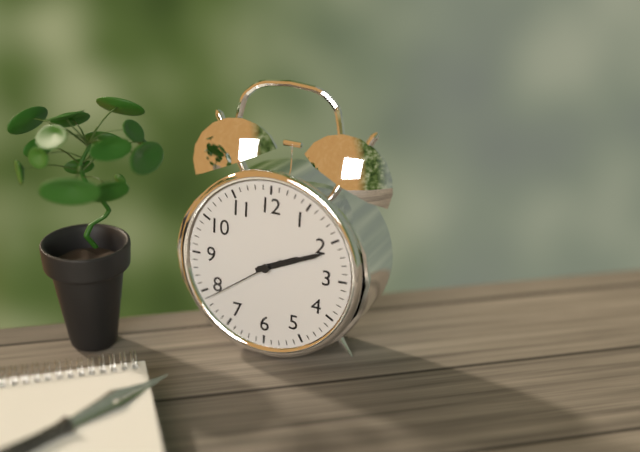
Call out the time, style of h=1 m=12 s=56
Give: h=2 m=11 s=39
